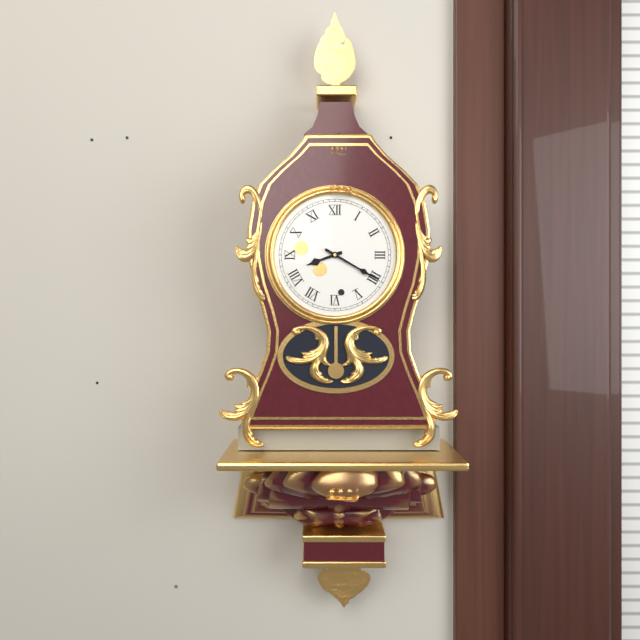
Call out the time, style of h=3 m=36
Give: h=8 m=20
